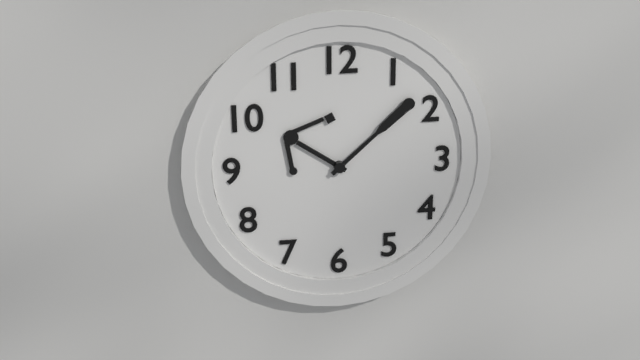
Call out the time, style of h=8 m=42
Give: h=10 m=8
